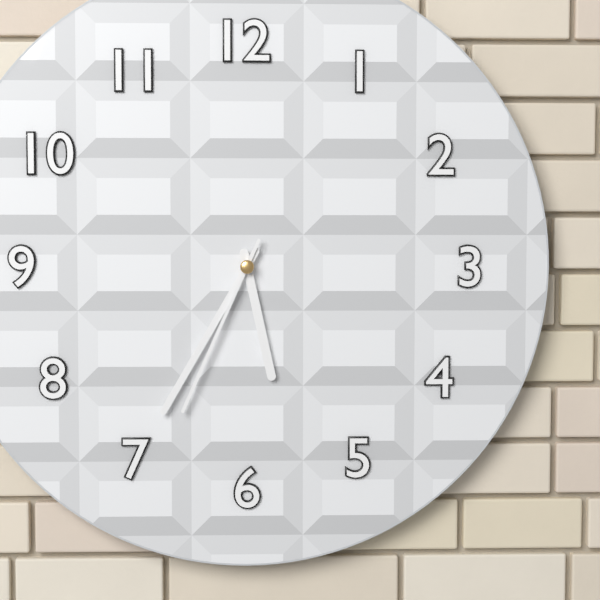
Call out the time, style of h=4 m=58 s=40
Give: h=5 m=35 s=34
